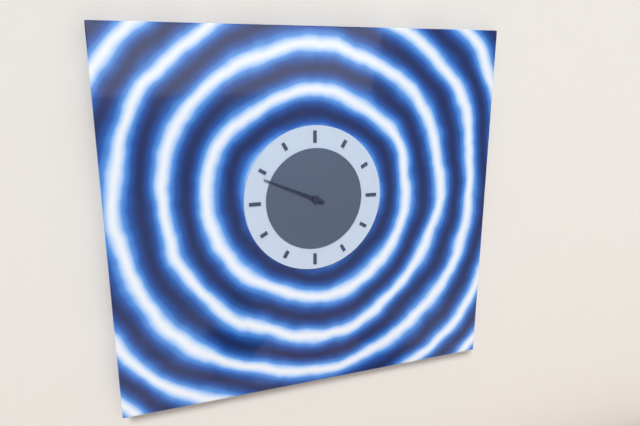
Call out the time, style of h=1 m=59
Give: h=9 m=49
